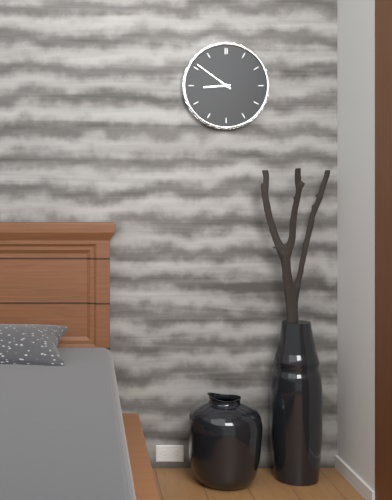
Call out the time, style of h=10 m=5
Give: h=8 m=51
